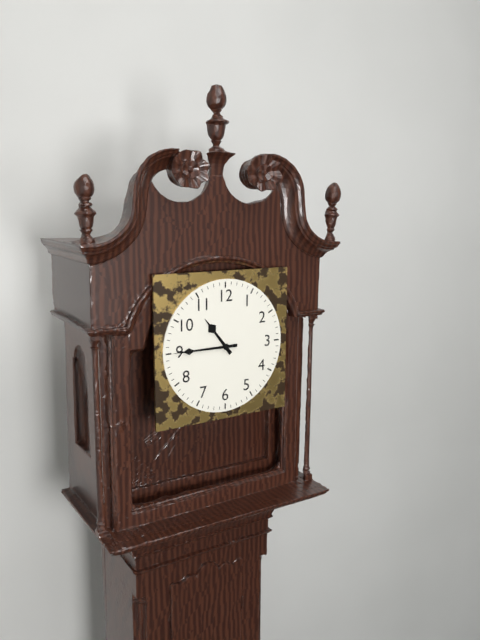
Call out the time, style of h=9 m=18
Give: h=10 m=45
